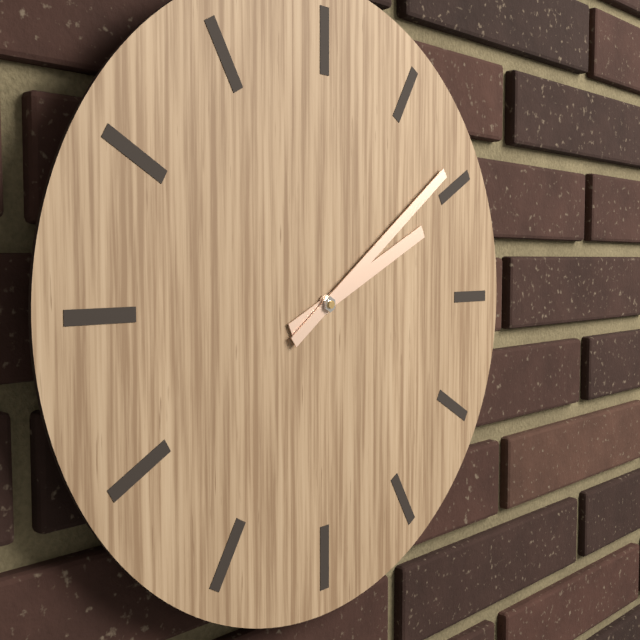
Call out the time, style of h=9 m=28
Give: h=2 m=9
